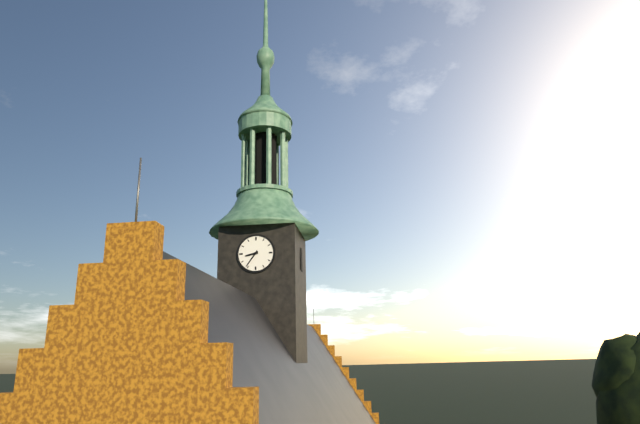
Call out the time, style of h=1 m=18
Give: h=8 m=36
